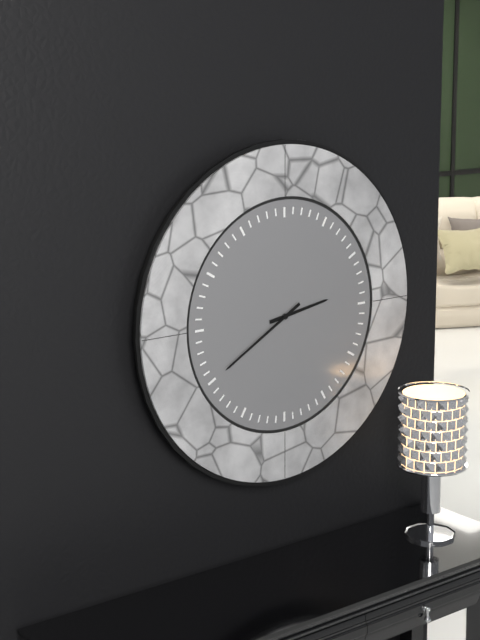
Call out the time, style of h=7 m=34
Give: h=2 m=40
